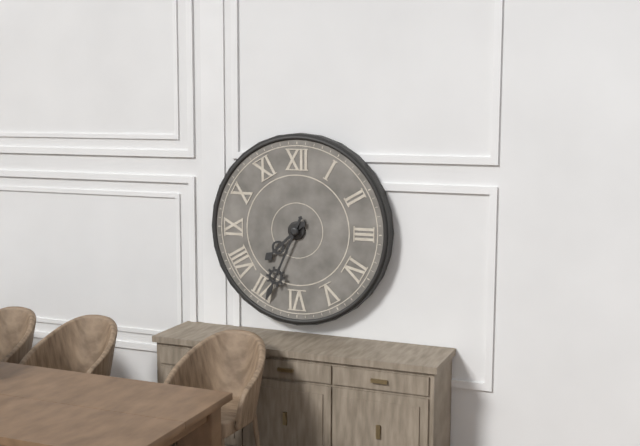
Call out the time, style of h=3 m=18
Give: h=7 m=34
